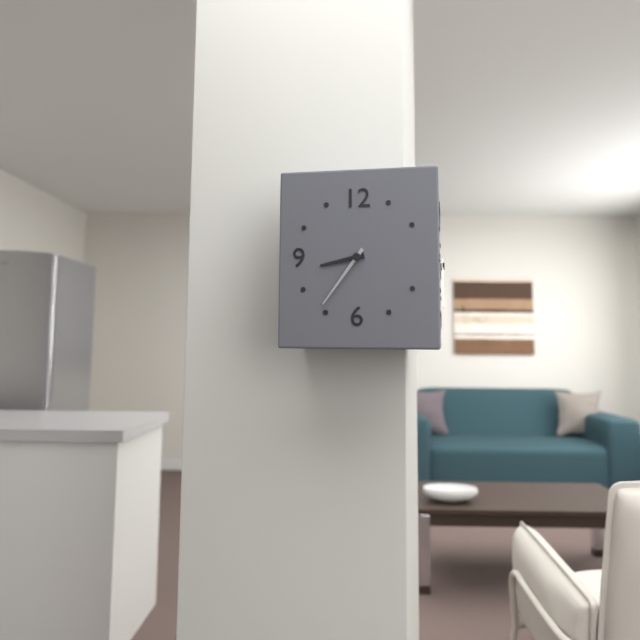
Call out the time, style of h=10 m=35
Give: h=8 m=36
